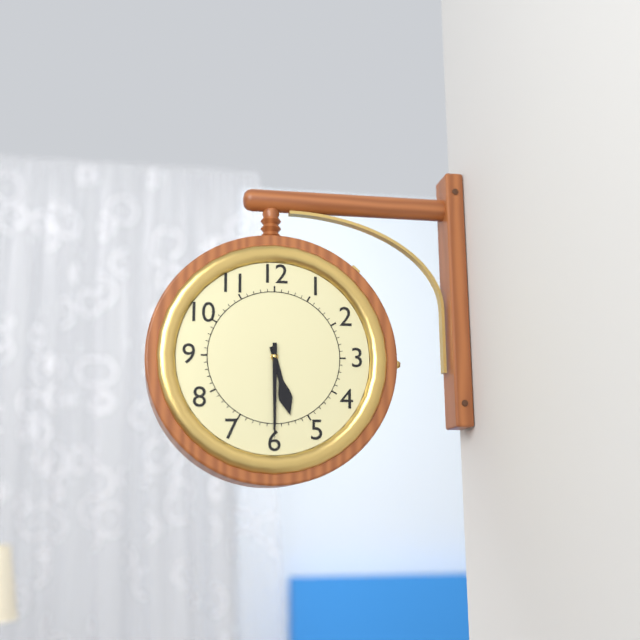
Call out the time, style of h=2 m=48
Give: h=5 m=30
